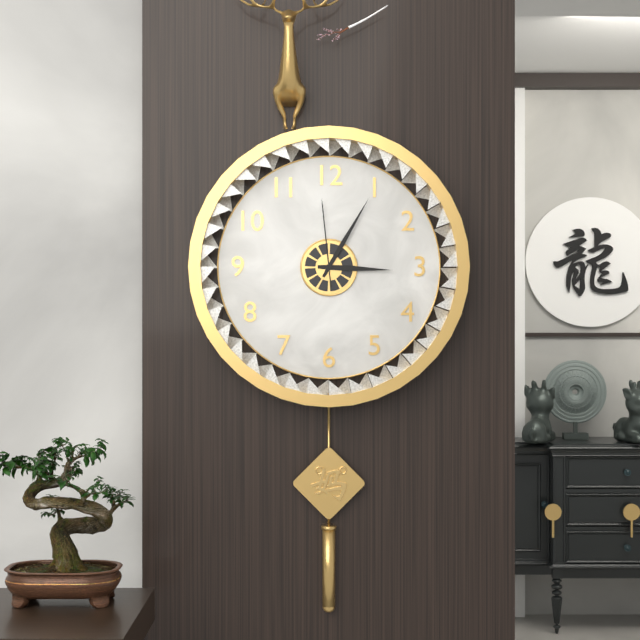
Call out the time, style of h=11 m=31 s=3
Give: h=3 m=5 s=59
